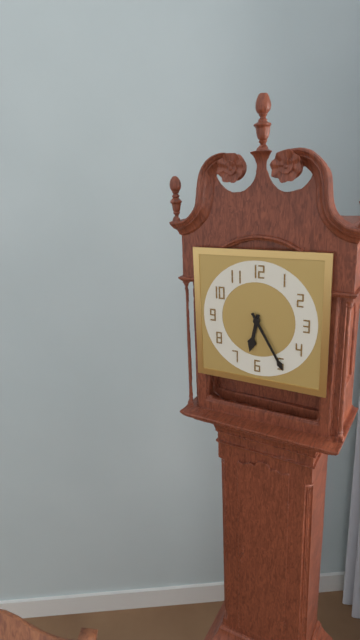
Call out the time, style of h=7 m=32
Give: h=6 m=25
